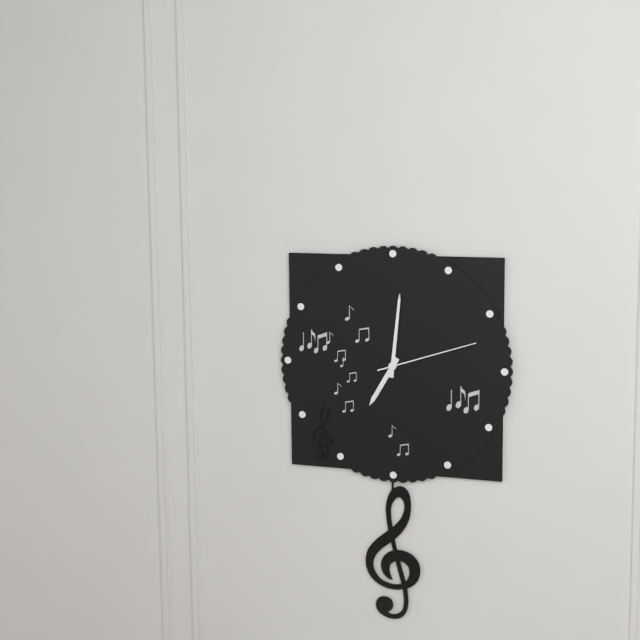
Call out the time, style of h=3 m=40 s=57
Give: h=7 m=1 s=12
